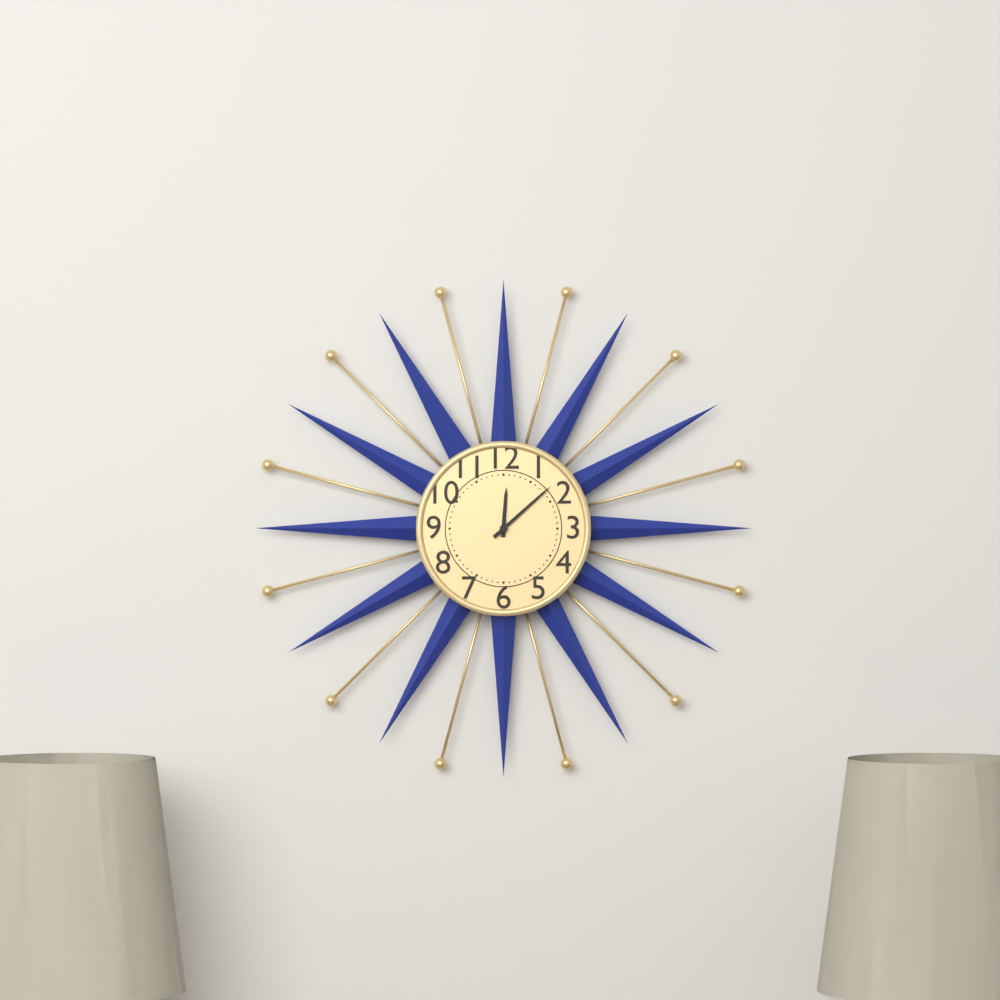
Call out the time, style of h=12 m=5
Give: h=12 m=8
